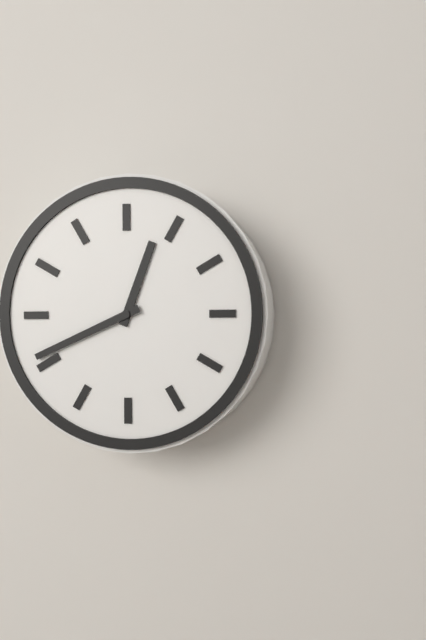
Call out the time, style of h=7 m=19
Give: h=12 m=41
